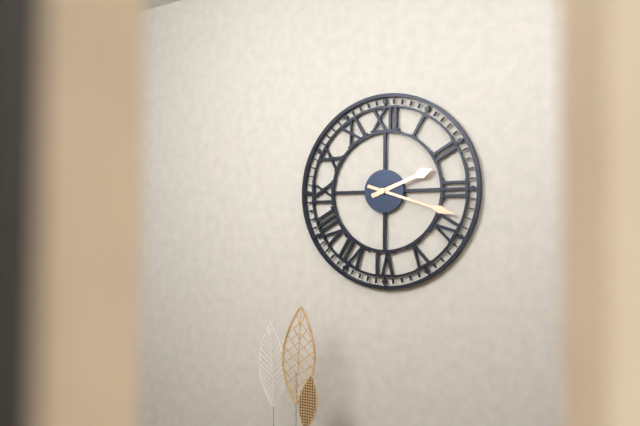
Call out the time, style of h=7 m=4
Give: h=2 m=18
